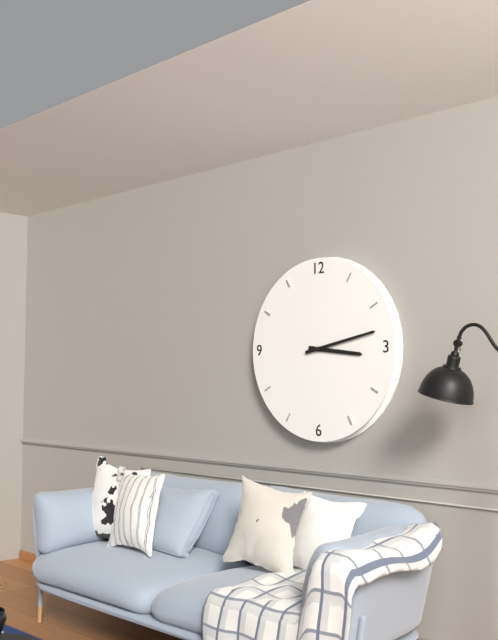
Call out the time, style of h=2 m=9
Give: h=3 m=13
